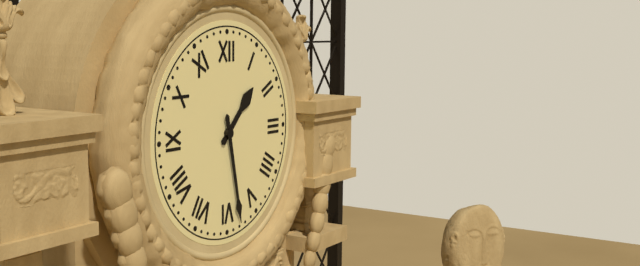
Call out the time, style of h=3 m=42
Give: h=1 m=28
